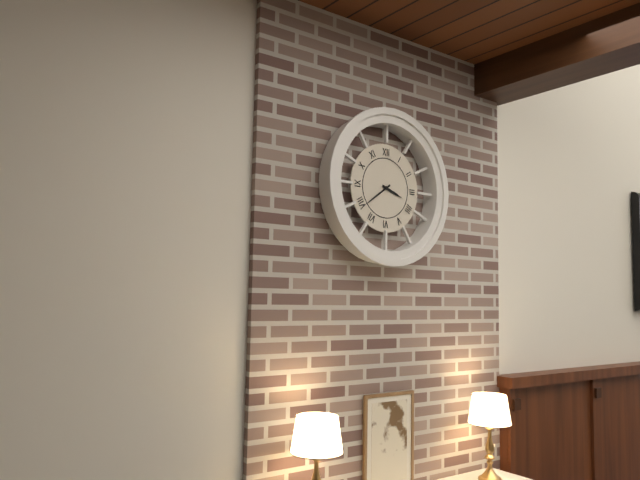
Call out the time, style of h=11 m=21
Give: h=3 m=39
